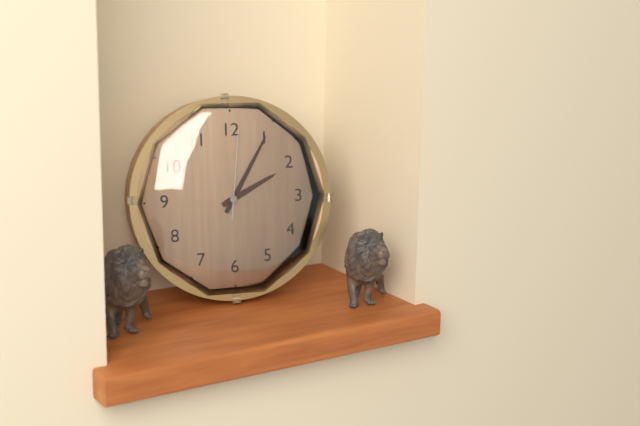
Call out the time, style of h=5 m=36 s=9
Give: h=2 m=5 s=1
